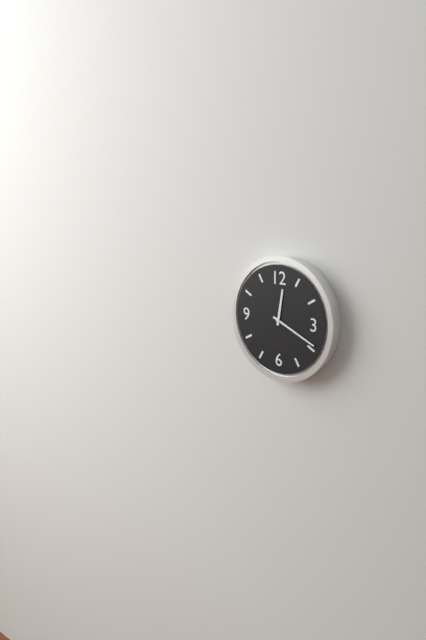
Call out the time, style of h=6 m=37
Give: h=12 m=19
